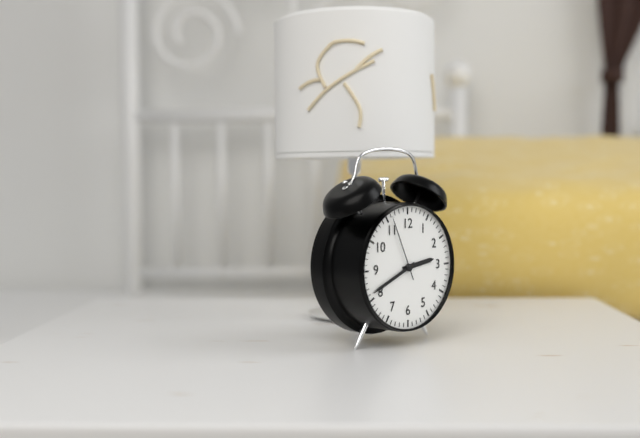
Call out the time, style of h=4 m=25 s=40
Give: h=2 m=41 s=56
